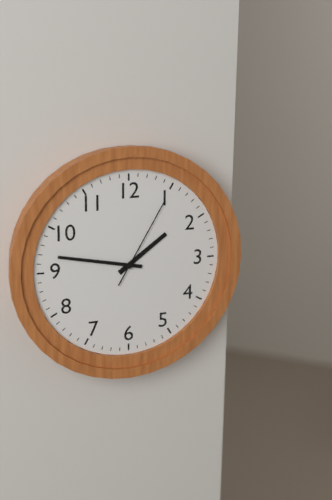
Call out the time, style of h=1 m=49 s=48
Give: h=1 m=47 s=5
